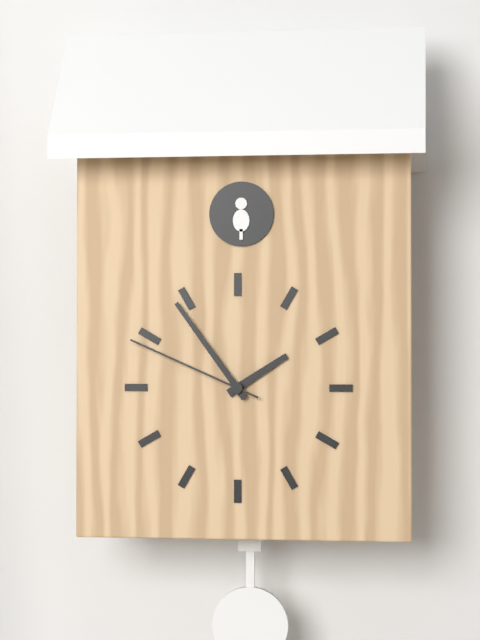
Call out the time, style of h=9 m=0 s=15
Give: h=1 m=54 s=49
